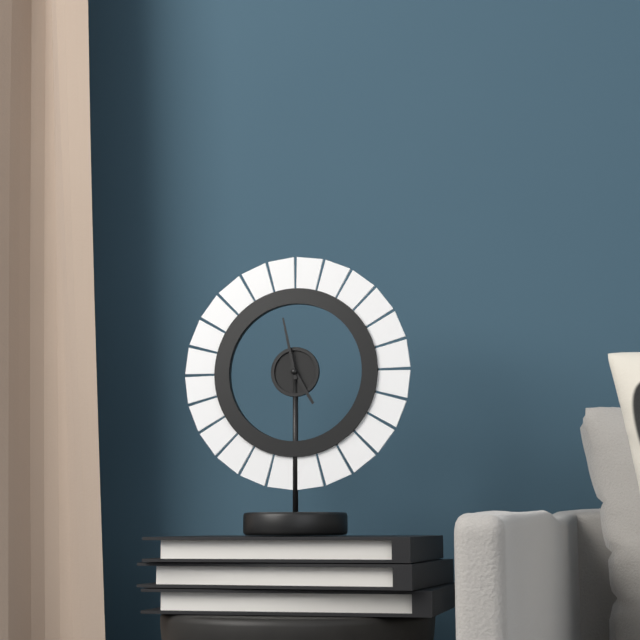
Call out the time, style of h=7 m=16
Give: h=4 m=58
